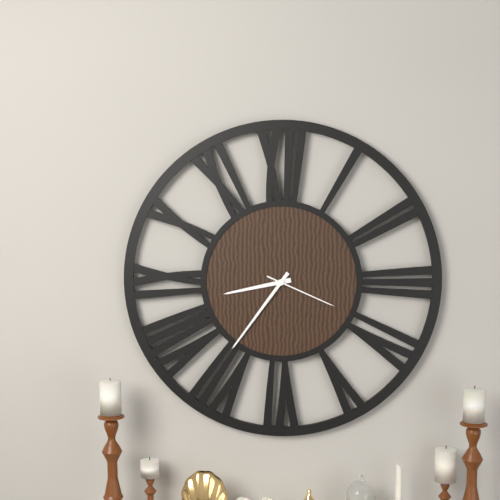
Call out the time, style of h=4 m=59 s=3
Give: h=8 m=36 s=19
